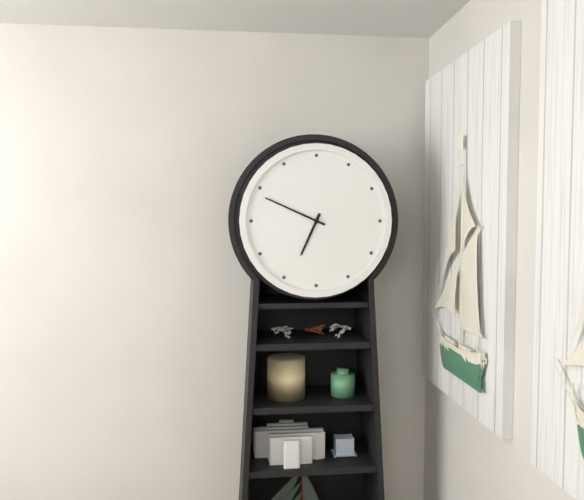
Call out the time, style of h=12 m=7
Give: h=6 m=49
